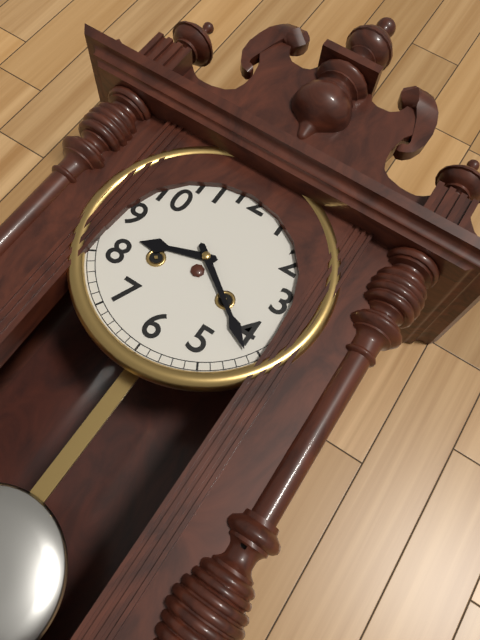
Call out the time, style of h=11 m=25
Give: h=8 m=21
